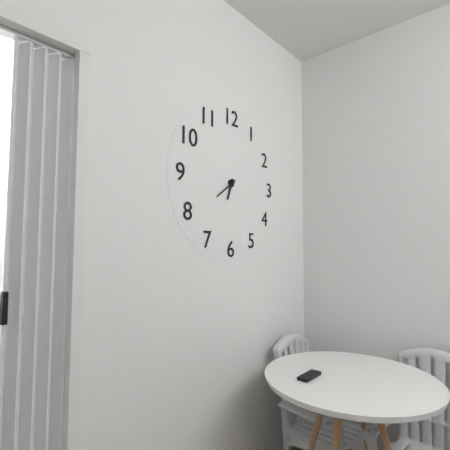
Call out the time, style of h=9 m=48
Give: h=6 m=39
